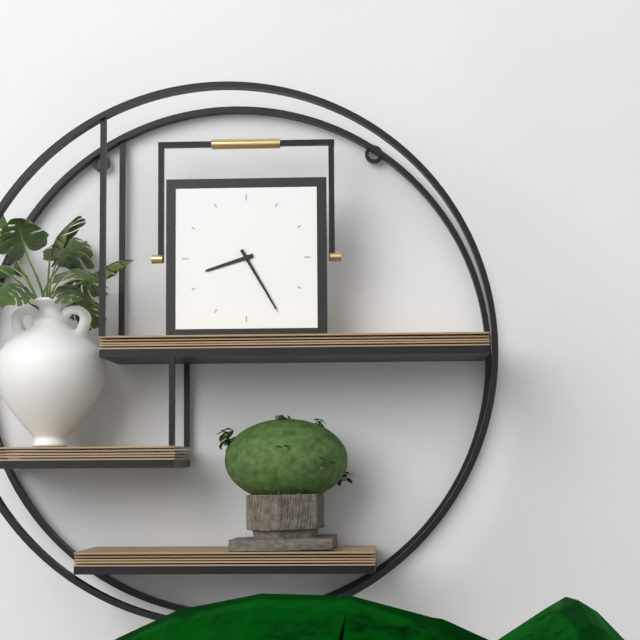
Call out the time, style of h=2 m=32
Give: h=8 m=25
